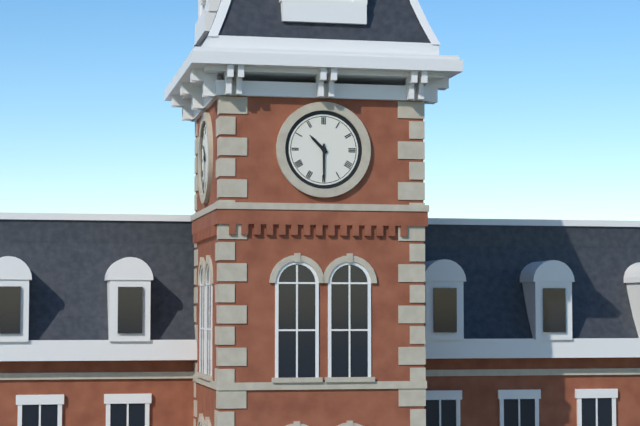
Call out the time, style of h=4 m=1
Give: h=10 m=30
